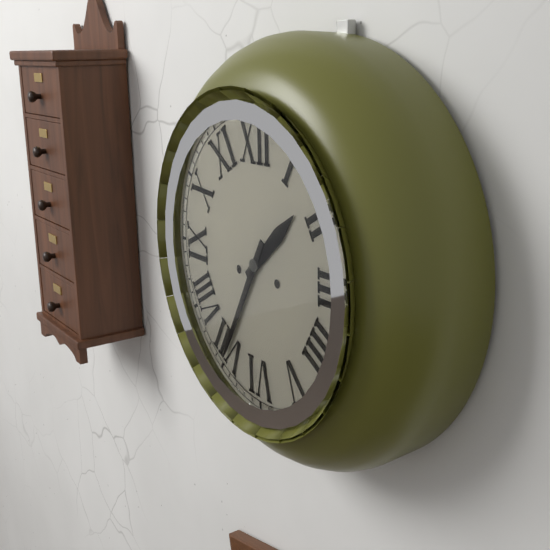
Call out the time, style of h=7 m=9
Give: h=1 m=35
